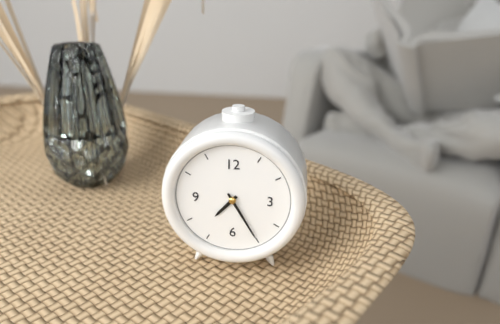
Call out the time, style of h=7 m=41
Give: h=7 m=25
